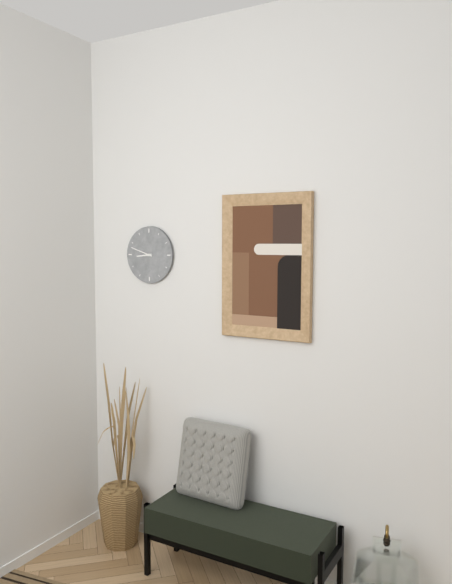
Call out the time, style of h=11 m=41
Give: h=8 m=48
